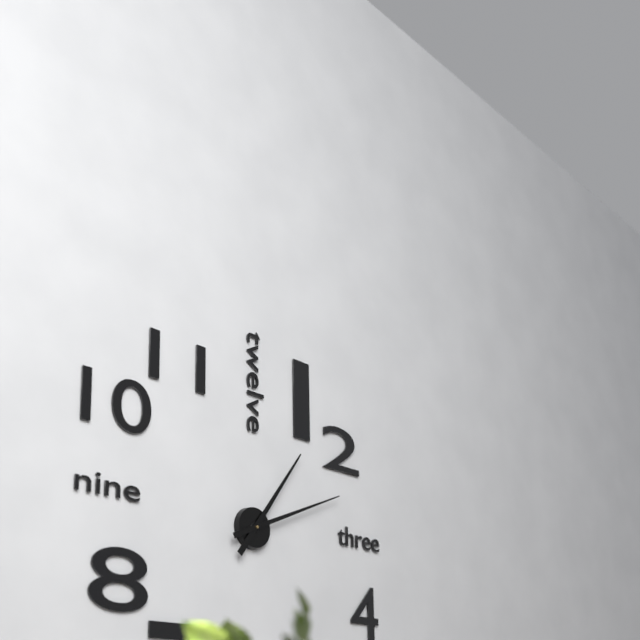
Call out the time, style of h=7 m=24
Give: h=1 m=11
